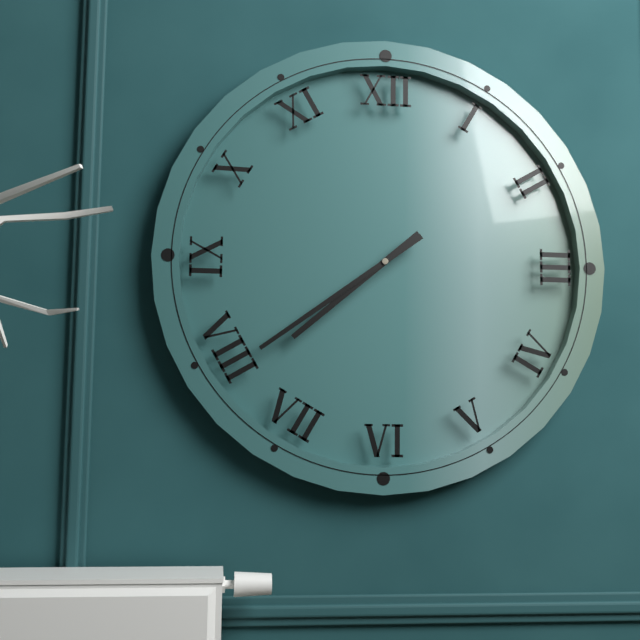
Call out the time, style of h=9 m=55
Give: h=7 m=39
